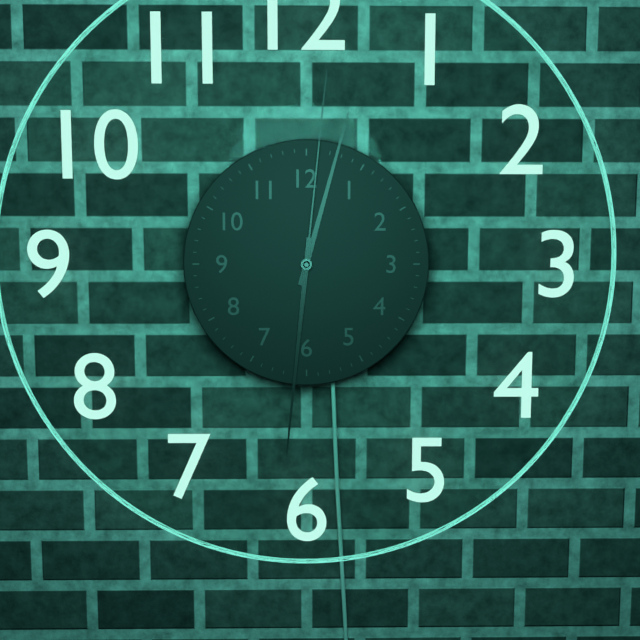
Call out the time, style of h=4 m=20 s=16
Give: h=12 m=31 s=1
